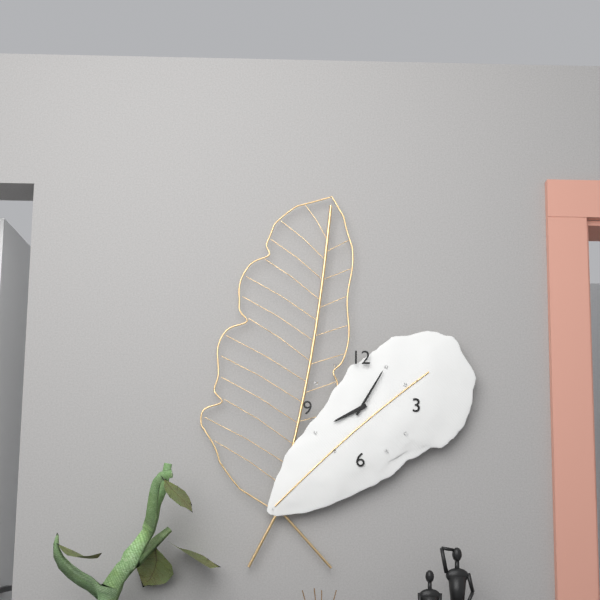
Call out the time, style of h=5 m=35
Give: h=8 m=5
